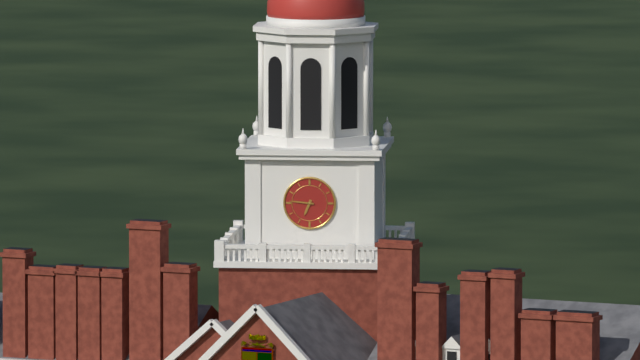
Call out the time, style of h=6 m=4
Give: h=6 m=46
